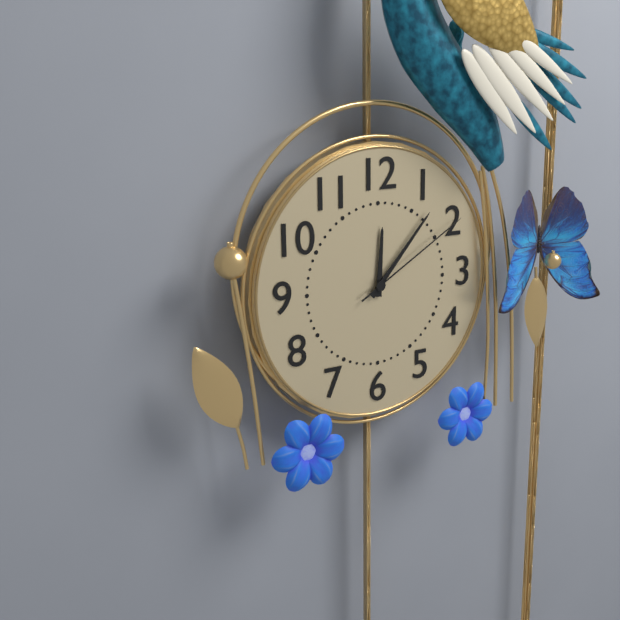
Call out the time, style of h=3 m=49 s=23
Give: h=12 m=7 s=10
